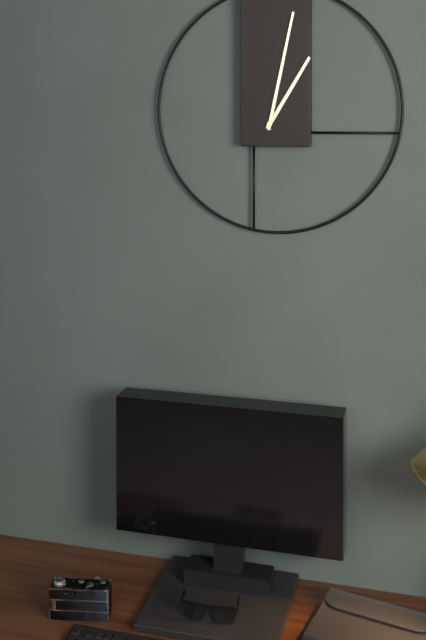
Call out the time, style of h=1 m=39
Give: h=1 m=2
